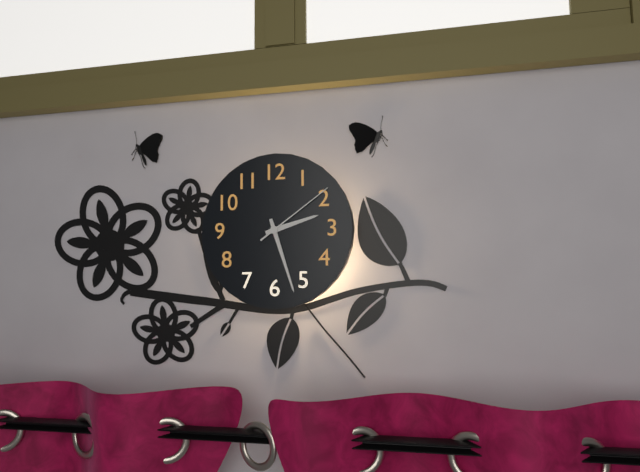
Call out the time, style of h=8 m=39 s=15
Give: h=2 m=27 s=9
